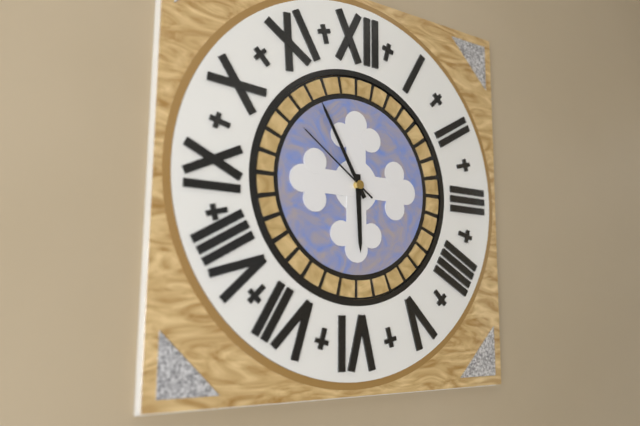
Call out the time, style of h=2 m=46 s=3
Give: h=5 m=55 s=51
